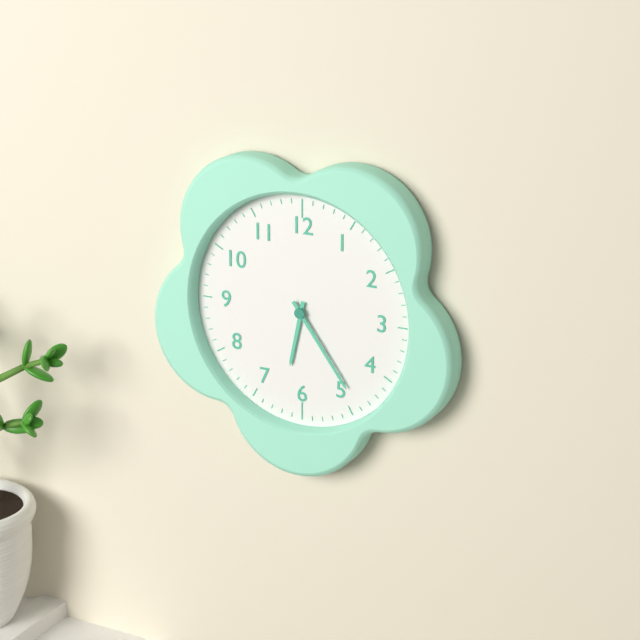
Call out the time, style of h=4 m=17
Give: h=6 m=24
